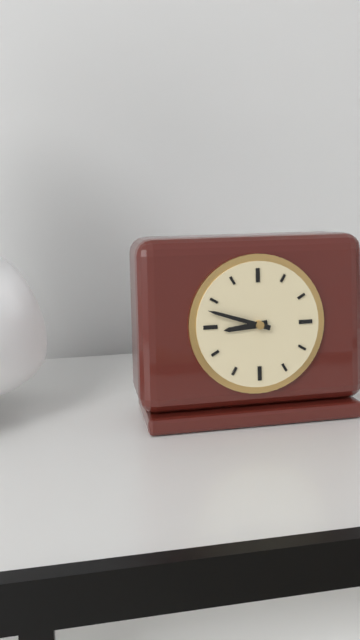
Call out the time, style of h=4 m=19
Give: h=8 m=48
